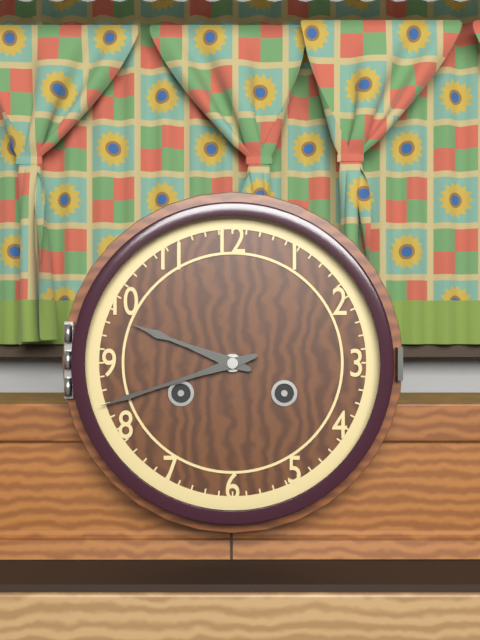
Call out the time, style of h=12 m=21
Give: h=9 m=42
